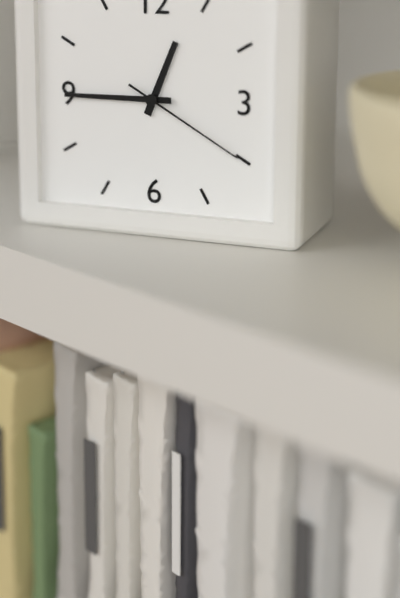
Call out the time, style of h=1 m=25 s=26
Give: h=12 m=45 s=20
